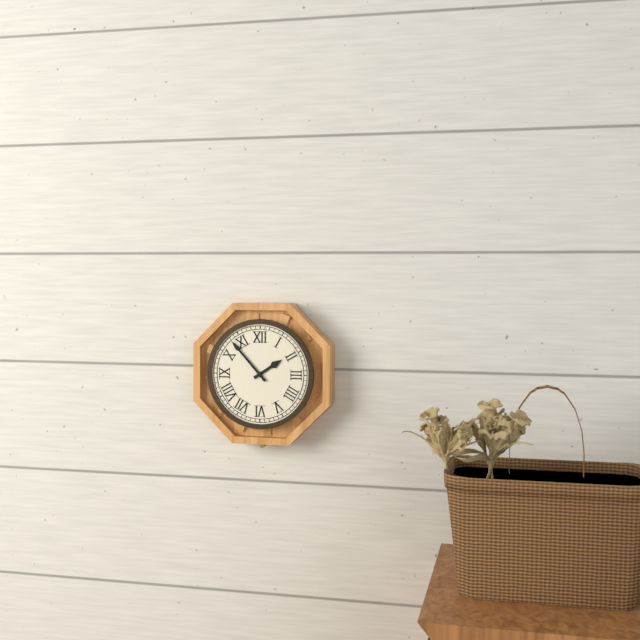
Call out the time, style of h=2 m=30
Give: h=1 m=53
